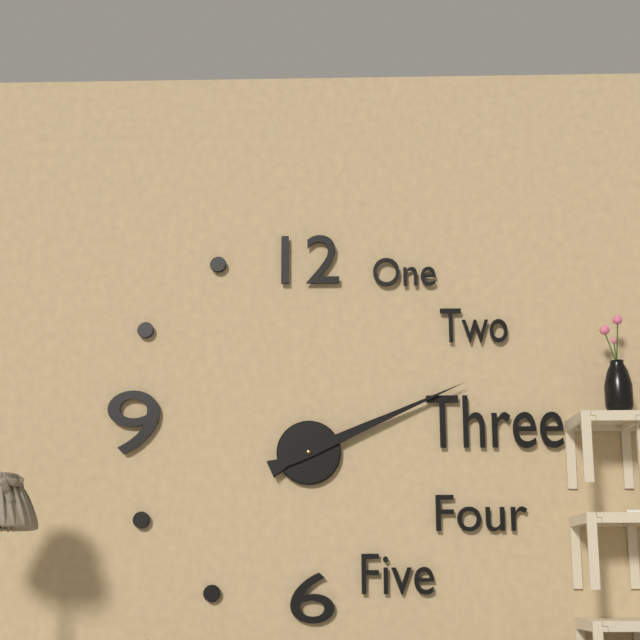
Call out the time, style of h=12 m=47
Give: h=2 m=11
